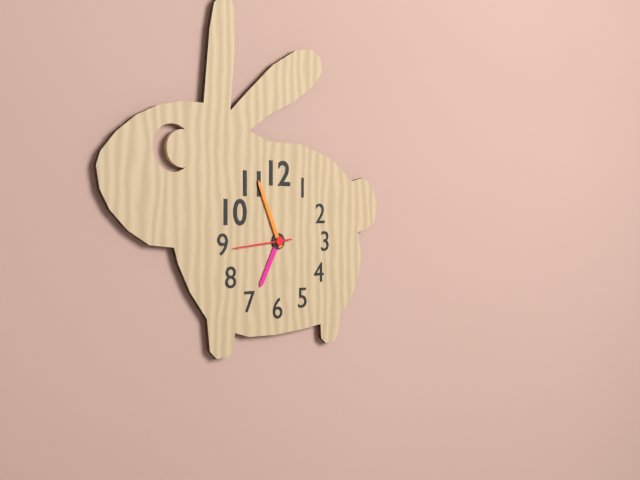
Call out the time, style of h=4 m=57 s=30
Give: h=6 m=56 s=44
